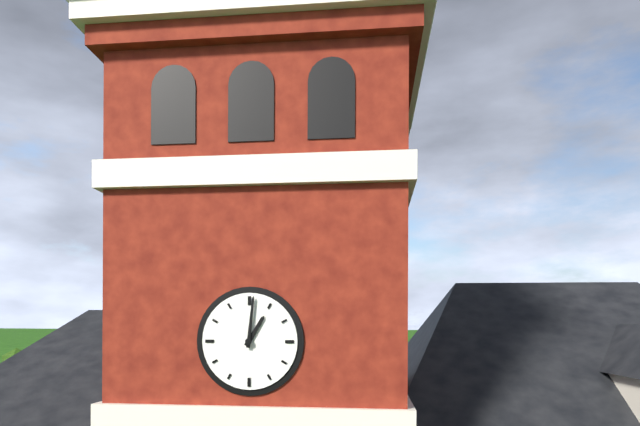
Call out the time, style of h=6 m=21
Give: h=1 m=1
